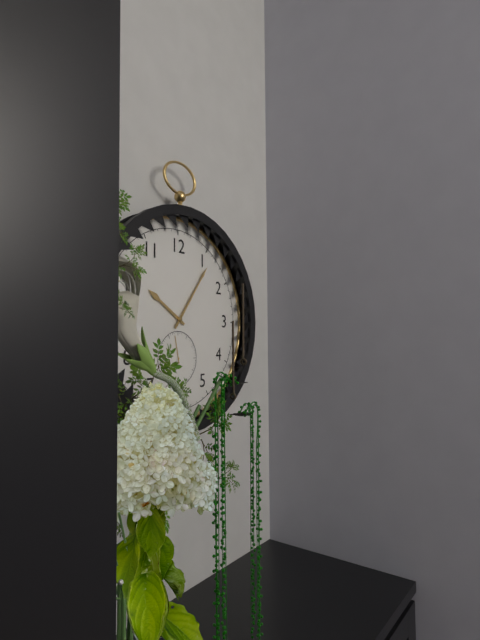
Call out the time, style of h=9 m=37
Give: h=10 m=6
